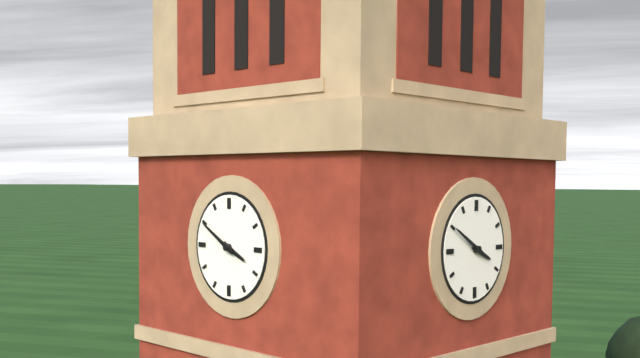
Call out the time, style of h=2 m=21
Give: h=3 m=50
